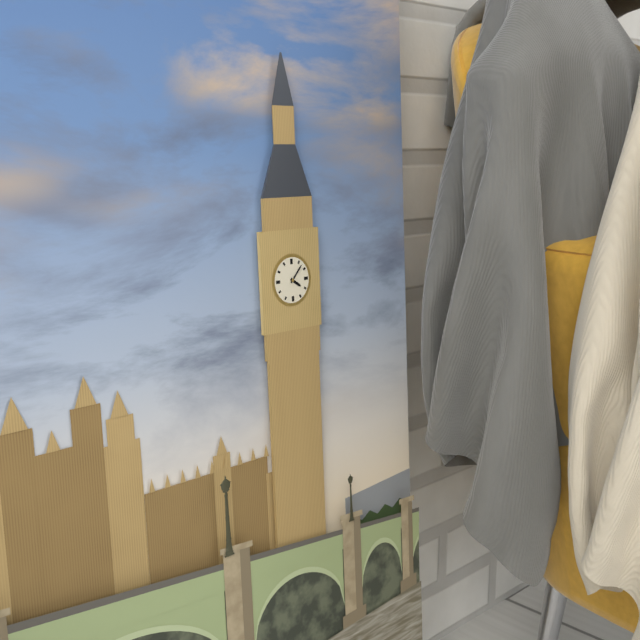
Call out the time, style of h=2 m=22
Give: h=4 m=7
